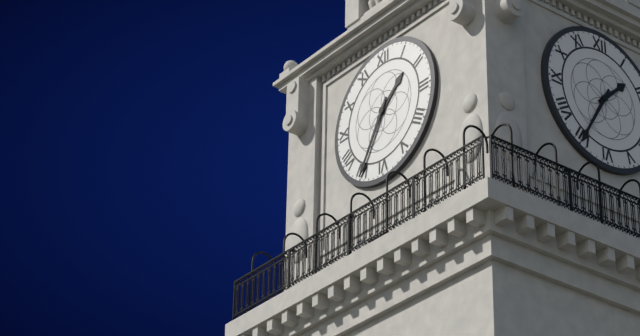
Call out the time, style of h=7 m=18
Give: h=1 m=35
